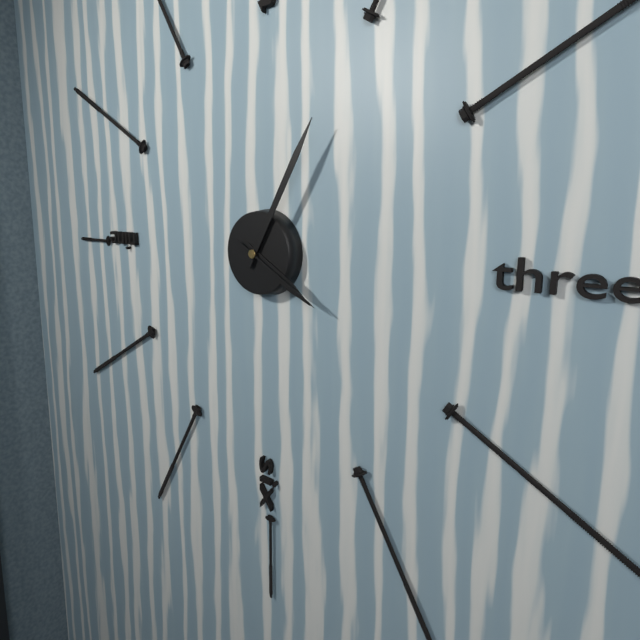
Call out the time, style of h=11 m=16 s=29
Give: h=4 m=5 s=20
